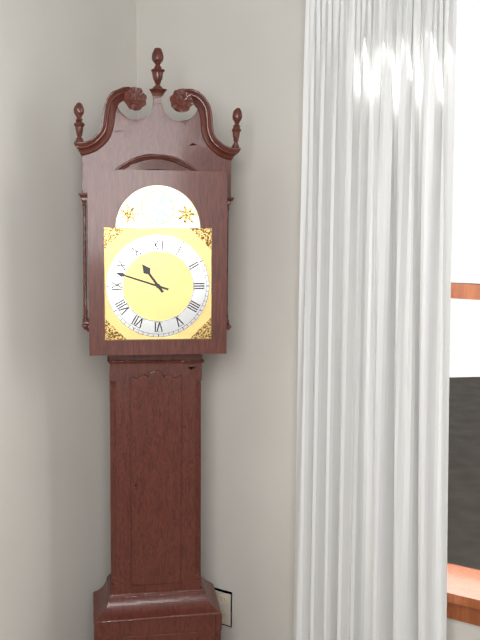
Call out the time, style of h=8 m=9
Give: h=10 m=48
